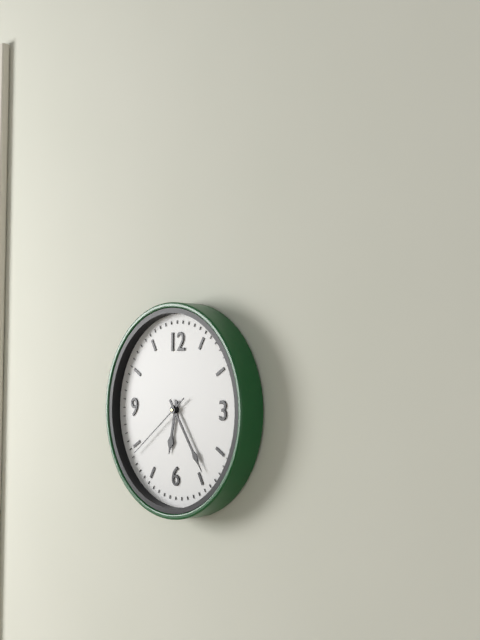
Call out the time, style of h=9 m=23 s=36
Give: h=6 m=24 s=39
